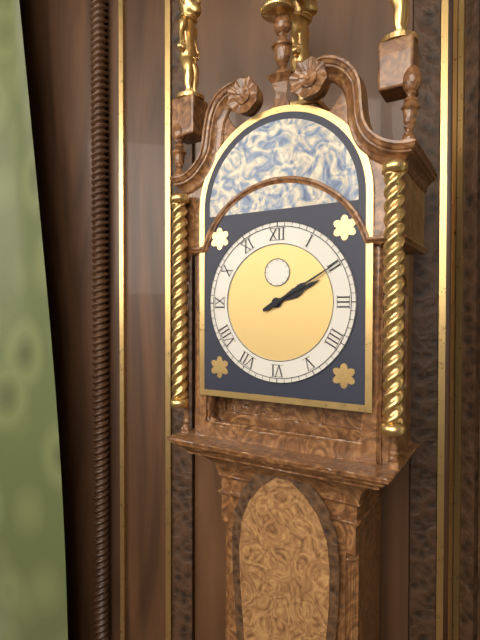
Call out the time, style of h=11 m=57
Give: h=2 m=10
